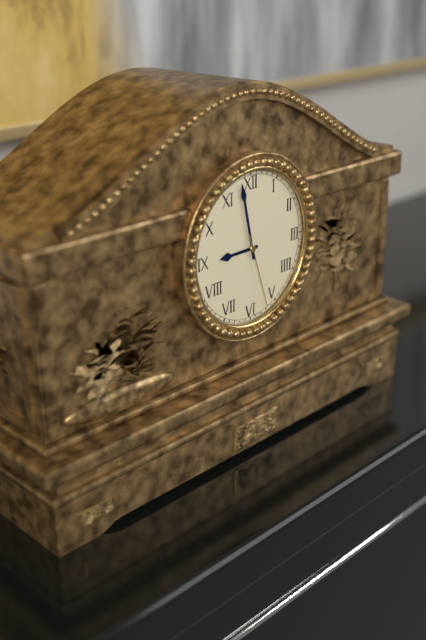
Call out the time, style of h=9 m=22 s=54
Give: h=8 m=58 s=27
